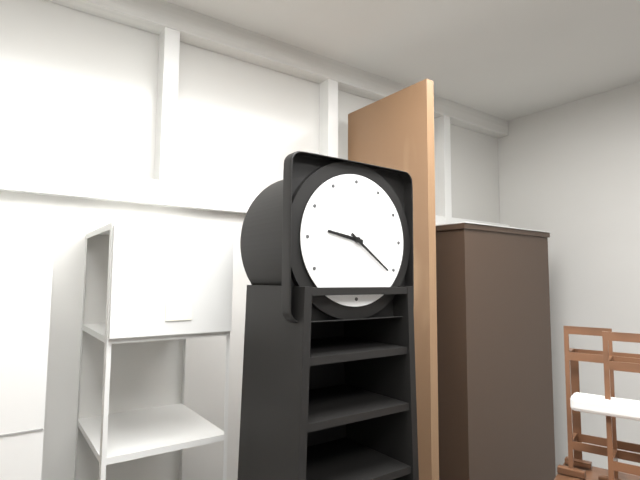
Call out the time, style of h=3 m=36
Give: h=9 m=21
